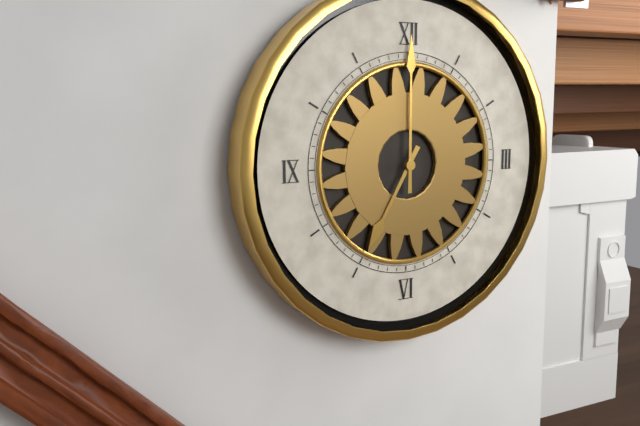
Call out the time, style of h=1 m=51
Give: h=7 m=0
